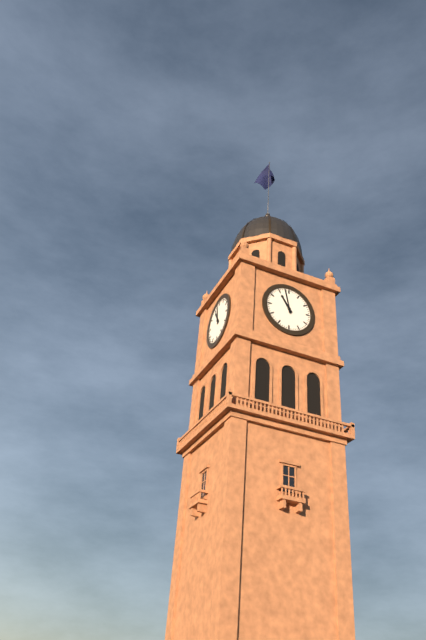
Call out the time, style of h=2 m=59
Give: h=10 m=58
